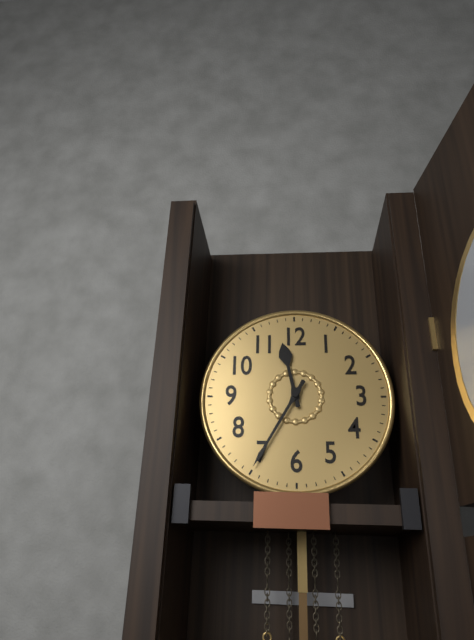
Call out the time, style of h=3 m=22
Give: h=11 m=35
